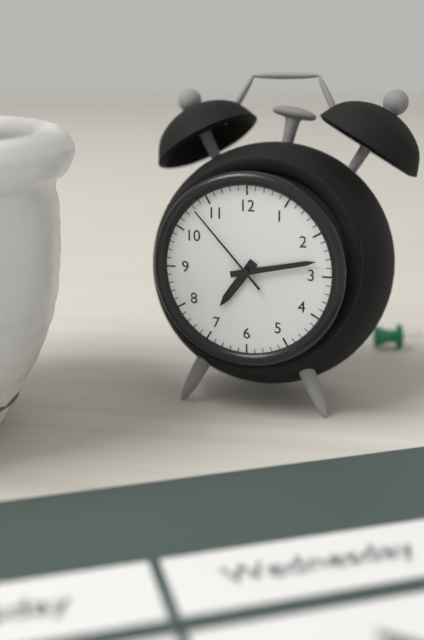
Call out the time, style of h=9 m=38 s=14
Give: h=7 m=13 s=53
